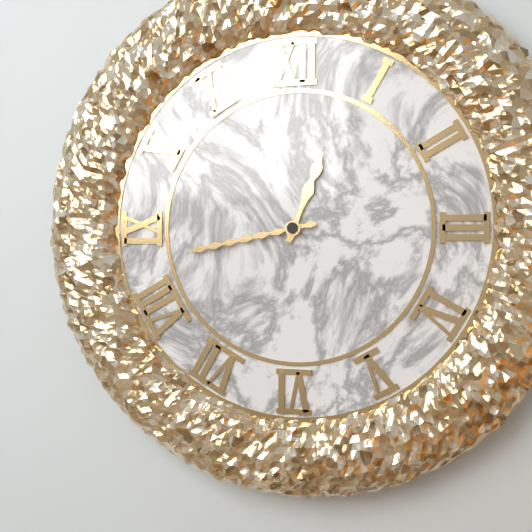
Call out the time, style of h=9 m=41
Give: h=12 m=43
